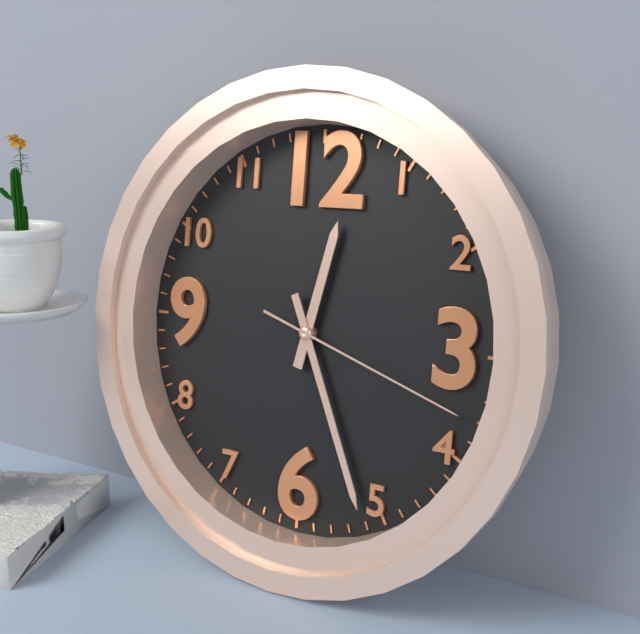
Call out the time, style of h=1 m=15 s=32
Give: h=12 m=26 s=18
